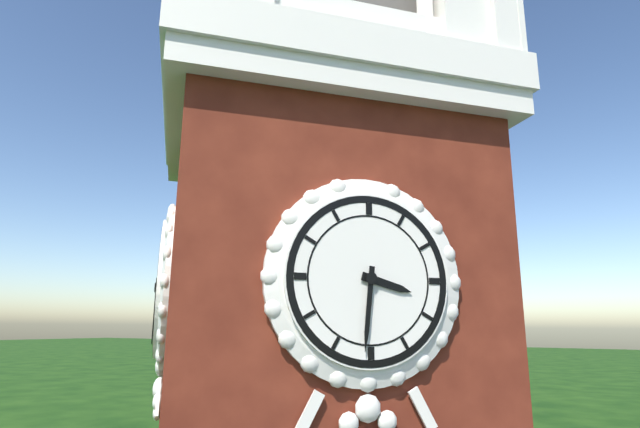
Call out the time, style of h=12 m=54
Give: h=3 m=31
